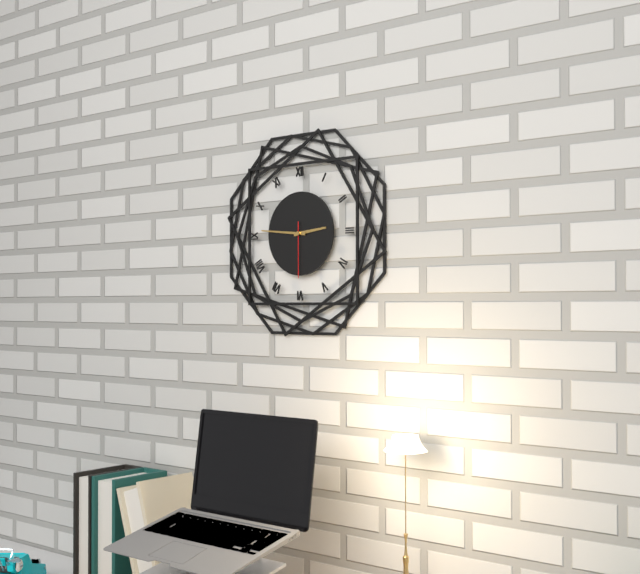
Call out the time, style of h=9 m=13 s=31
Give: h=2 m=46 s=30
